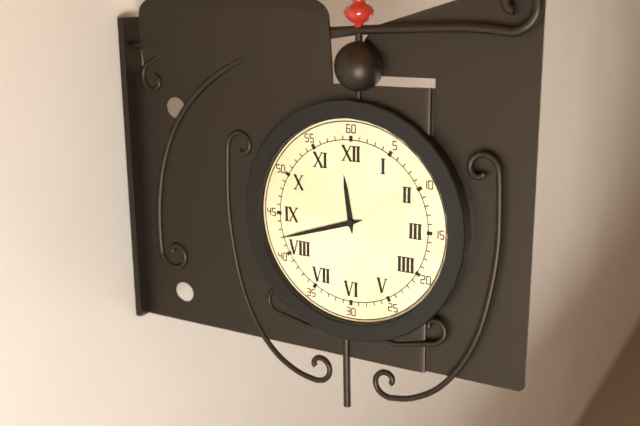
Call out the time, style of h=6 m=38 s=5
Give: h=11 m=42 s=42
